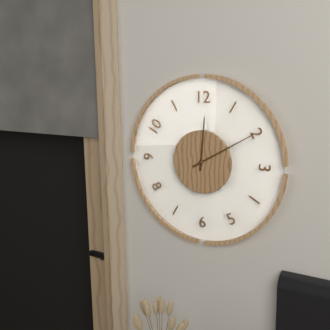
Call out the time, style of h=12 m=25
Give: h=12 m=10
